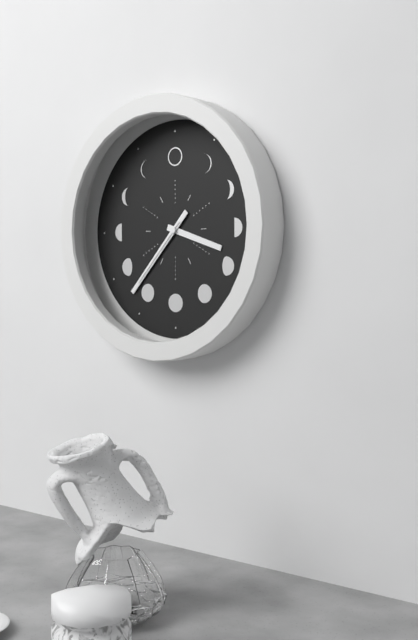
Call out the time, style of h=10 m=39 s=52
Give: h=3 m=37 s=37
